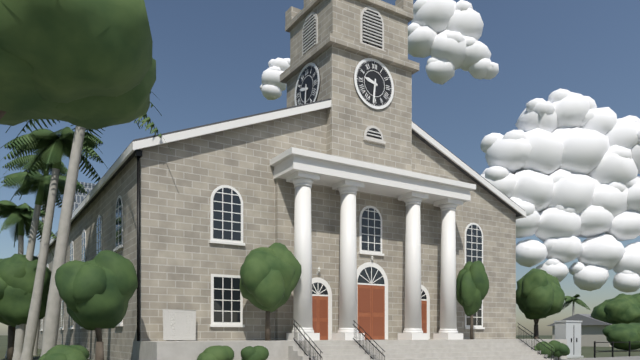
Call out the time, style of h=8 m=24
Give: h=9 m=31
